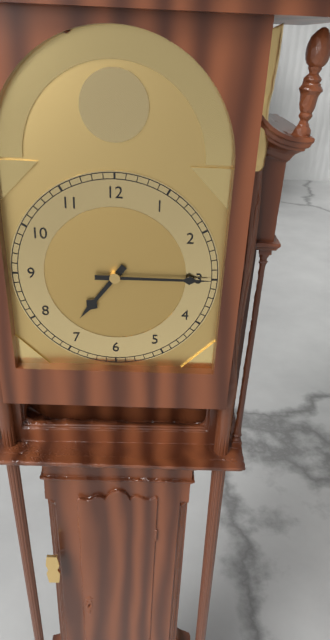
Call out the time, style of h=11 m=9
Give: h=7 m=15
